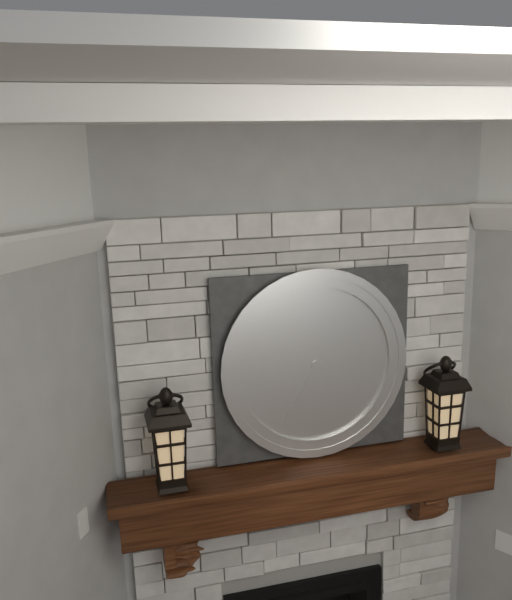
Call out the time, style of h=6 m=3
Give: h=2 m=35
